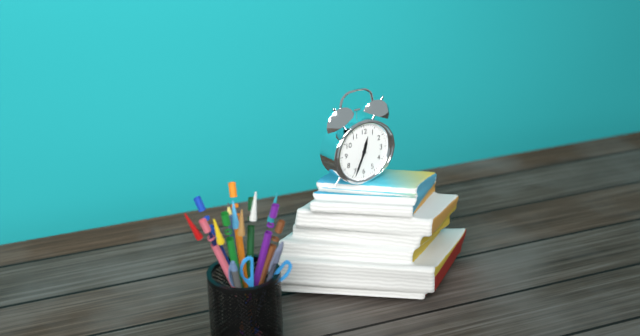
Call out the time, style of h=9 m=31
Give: h=12 m=34
